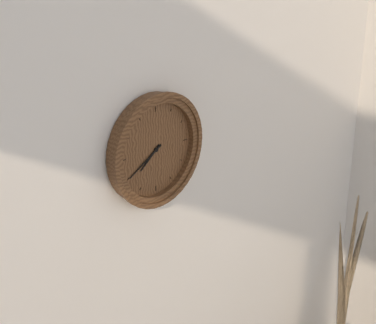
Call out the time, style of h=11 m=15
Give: h=7 m=40
